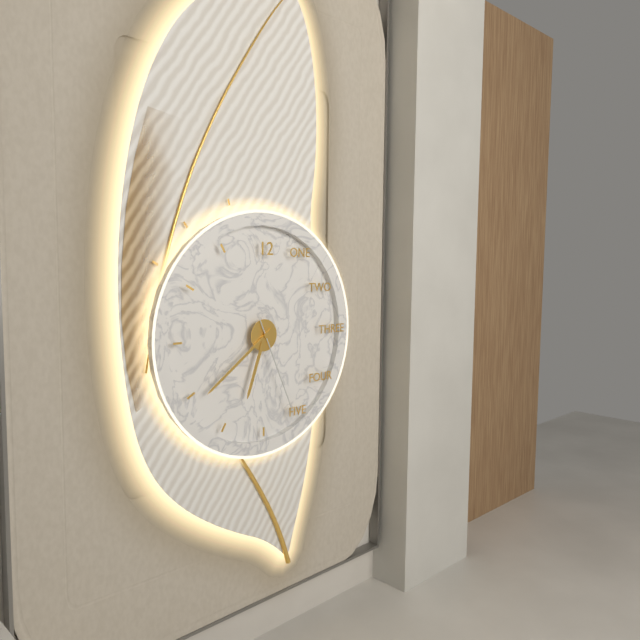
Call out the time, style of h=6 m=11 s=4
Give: h=6 m=39 s=26
